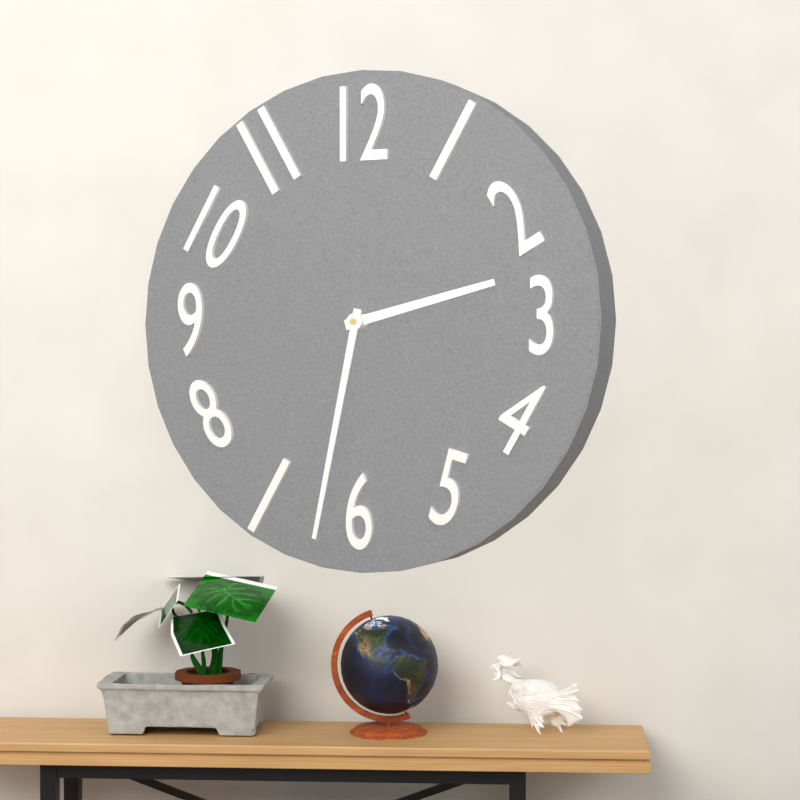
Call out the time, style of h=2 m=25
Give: h=2 m=32
